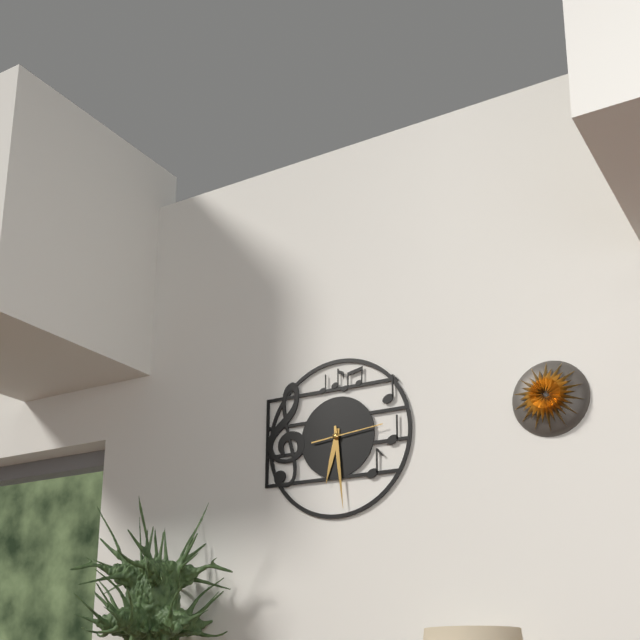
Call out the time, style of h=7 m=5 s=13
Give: h=6 m=29 s=14
